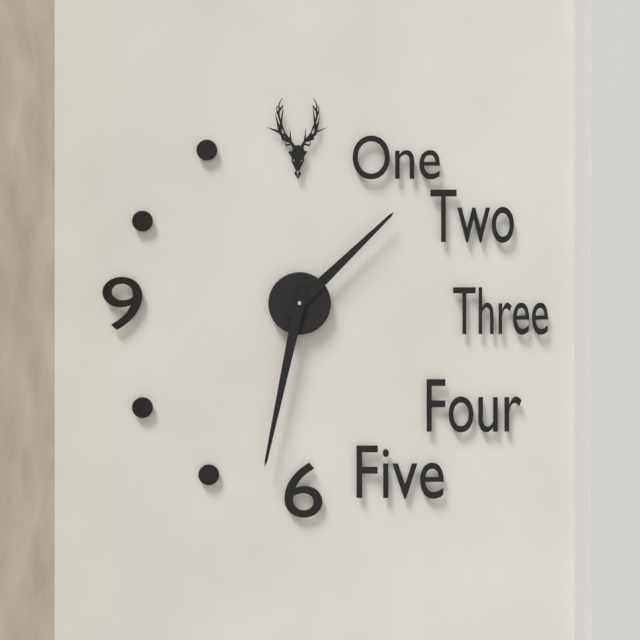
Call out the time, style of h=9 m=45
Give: h=1 m=32
